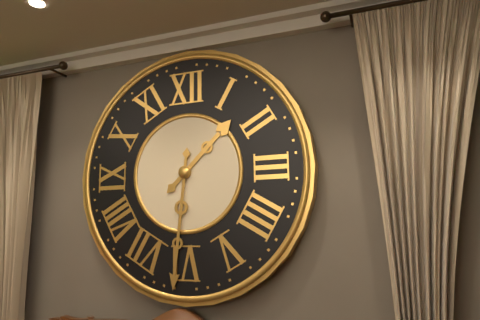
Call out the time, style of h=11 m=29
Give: h=1 m=31
